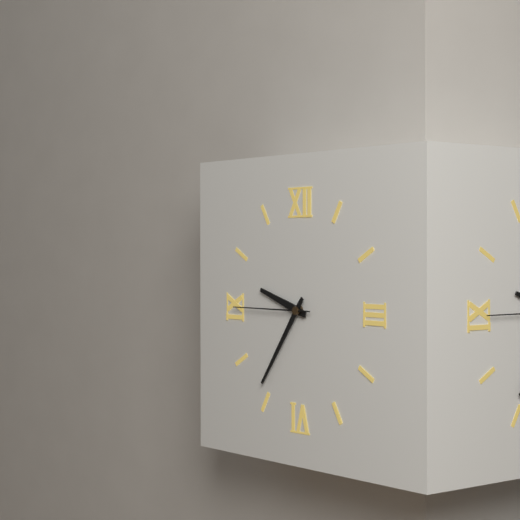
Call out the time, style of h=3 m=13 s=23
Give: h=9 m=36 s=45
